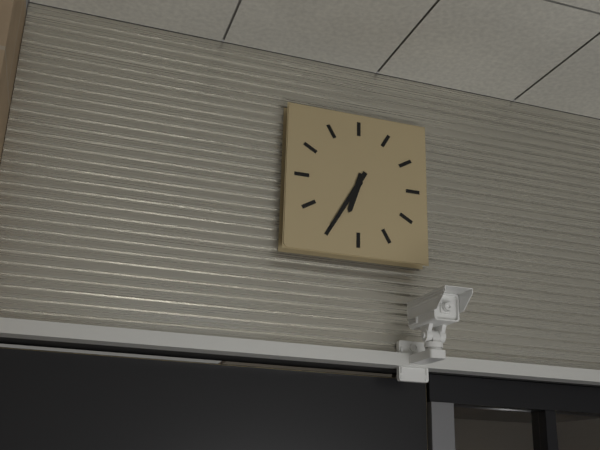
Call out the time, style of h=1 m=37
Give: h=6 m=35
